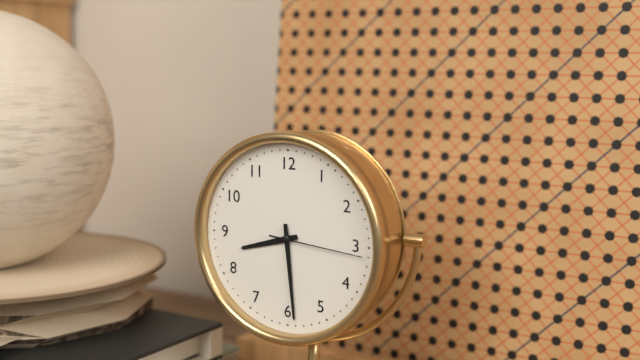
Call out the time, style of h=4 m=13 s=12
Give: h=8 m=29 s=16
